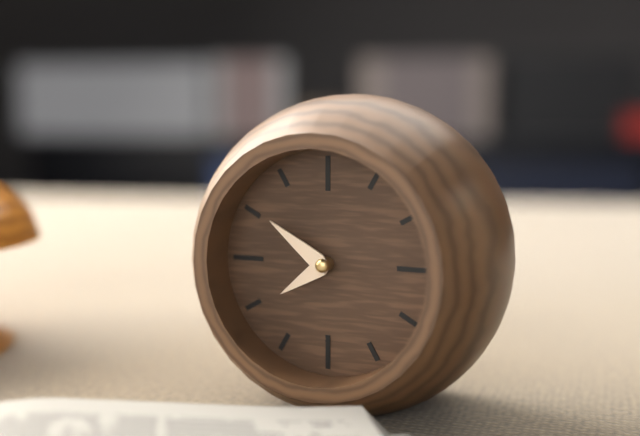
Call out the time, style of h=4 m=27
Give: h=7 m=51
